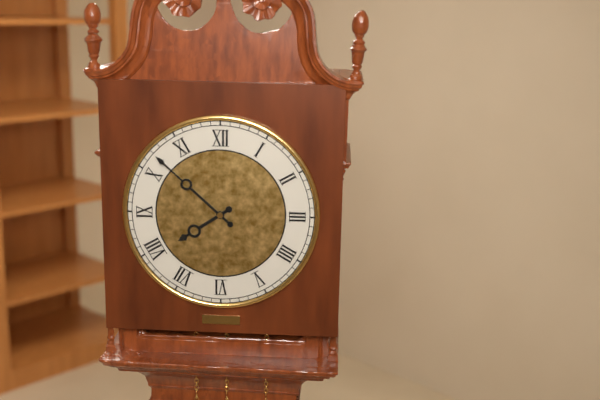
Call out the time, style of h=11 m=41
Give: h=7 m=52
